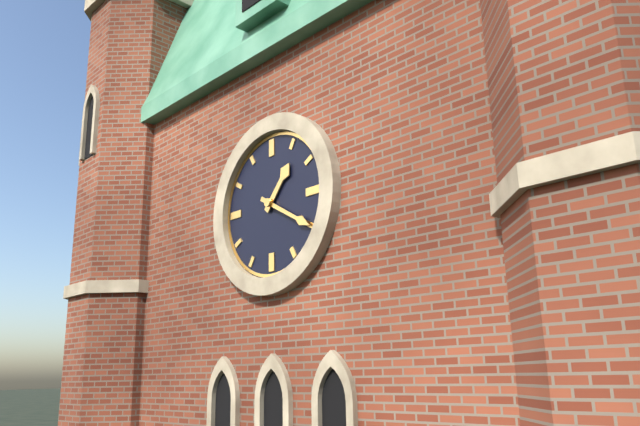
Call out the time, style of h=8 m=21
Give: h=1 m=20
